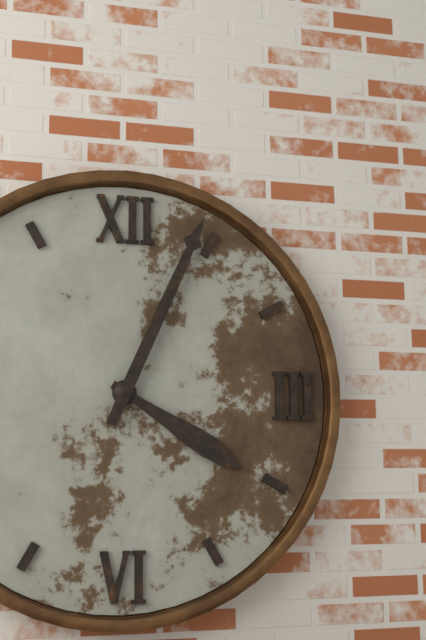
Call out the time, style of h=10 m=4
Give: h=4 m=4
